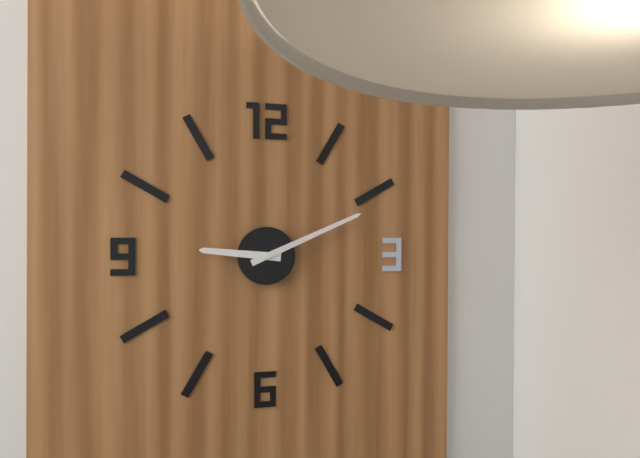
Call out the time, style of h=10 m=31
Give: h=9 m=11
